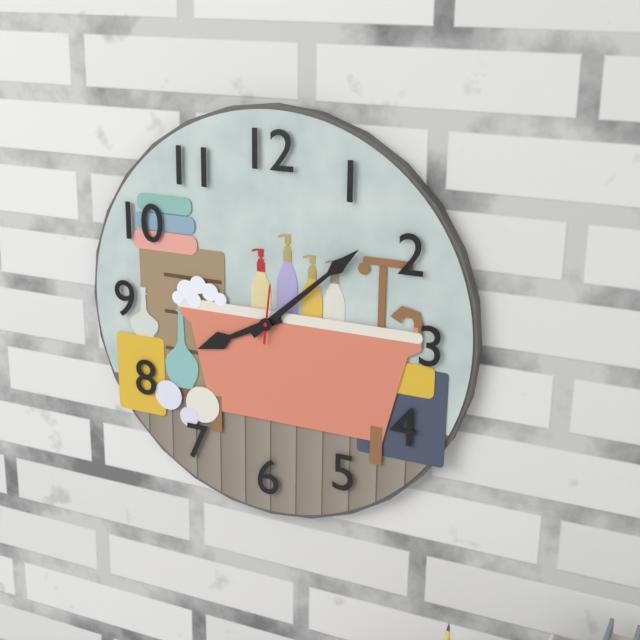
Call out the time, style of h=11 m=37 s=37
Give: h=8 m=8 s=1
